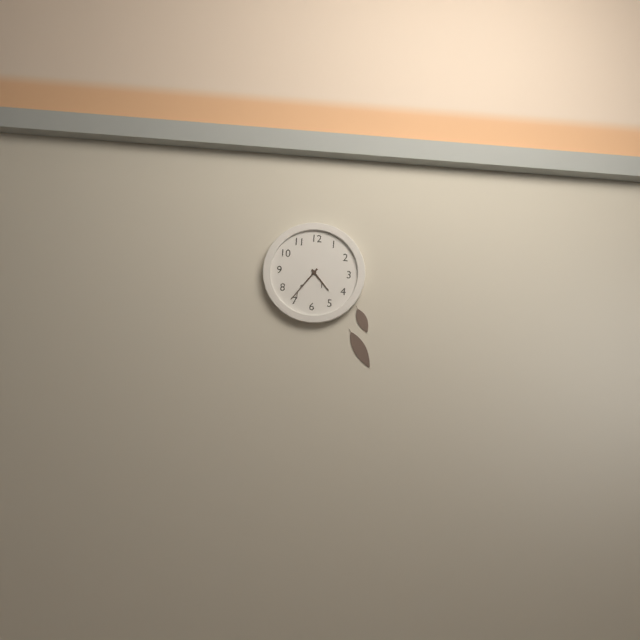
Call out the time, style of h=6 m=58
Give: h=4 m=36
